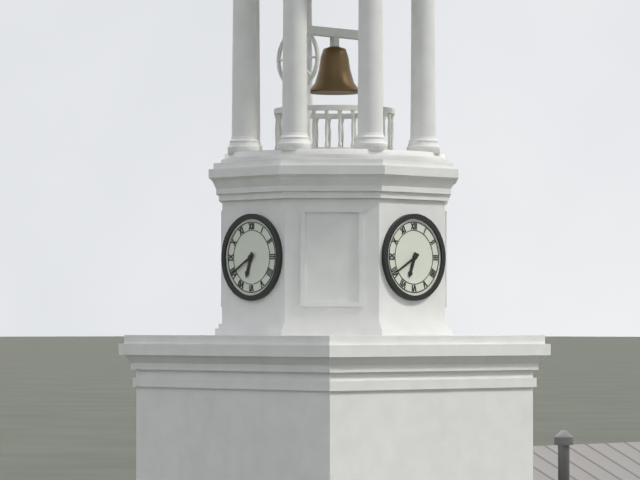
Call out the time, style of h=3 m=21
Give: h=6 m=40
